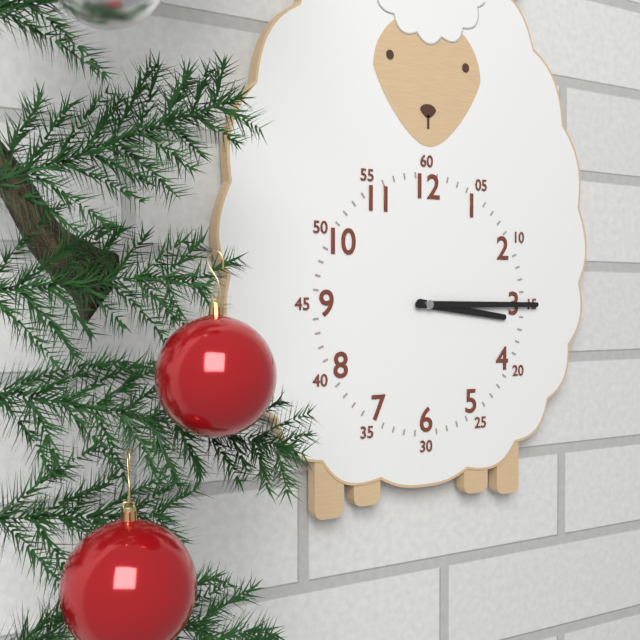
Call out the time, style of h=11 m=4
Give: h=3 m=15
